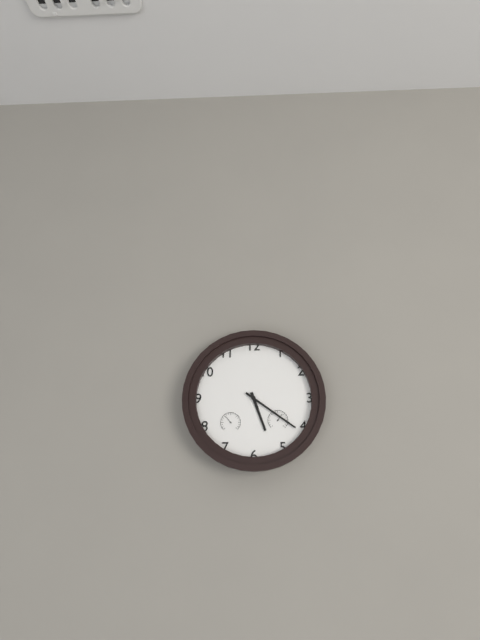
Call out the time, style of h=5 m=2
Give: h=5 m=21
